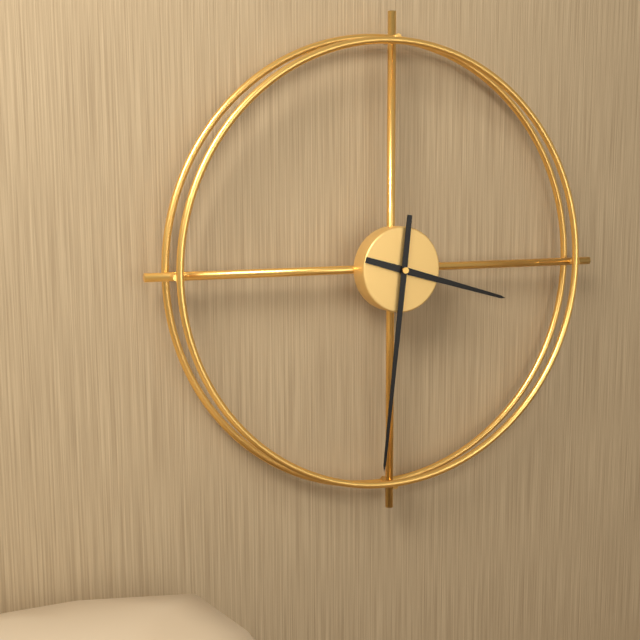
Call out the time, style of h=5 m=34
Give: h=3 m=31
